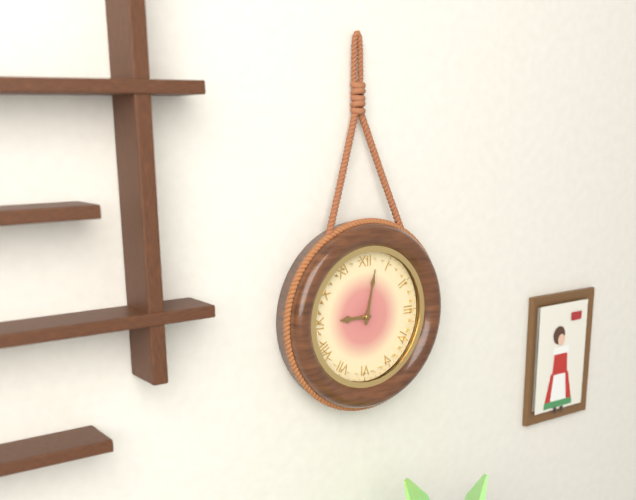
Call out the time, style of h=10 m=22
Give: h=9 m=2
